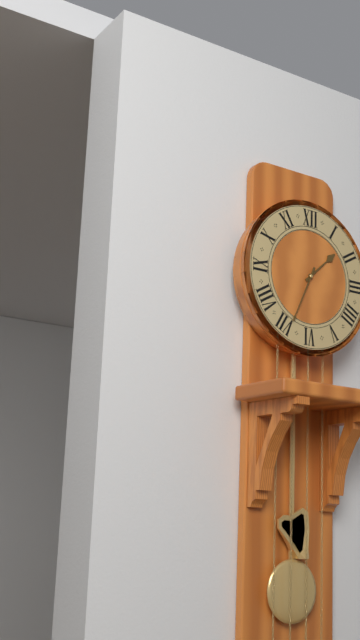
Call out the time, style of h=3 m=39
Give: h=1 m=34
